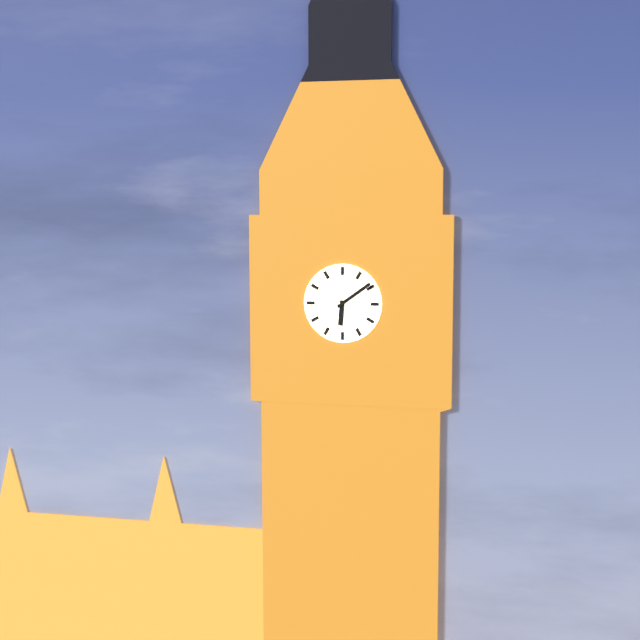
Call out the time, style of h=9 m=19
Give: h=6 m=9
